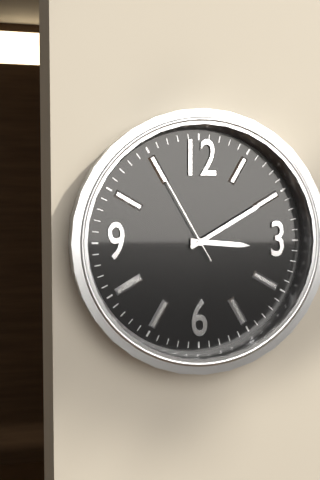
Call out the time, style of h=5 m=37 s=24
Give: h=3 m=10 s=55
